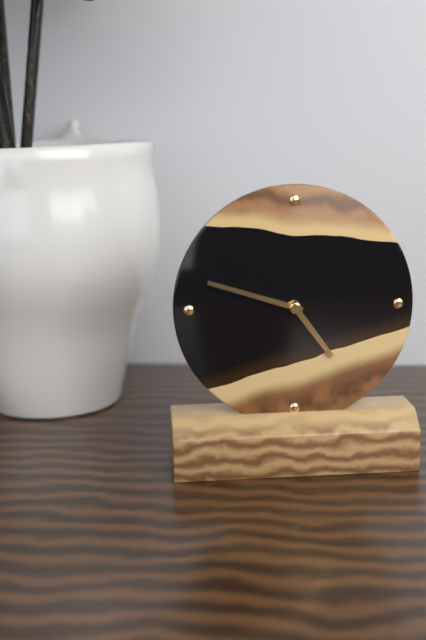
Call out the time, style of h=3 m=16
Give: h=4 m=48
